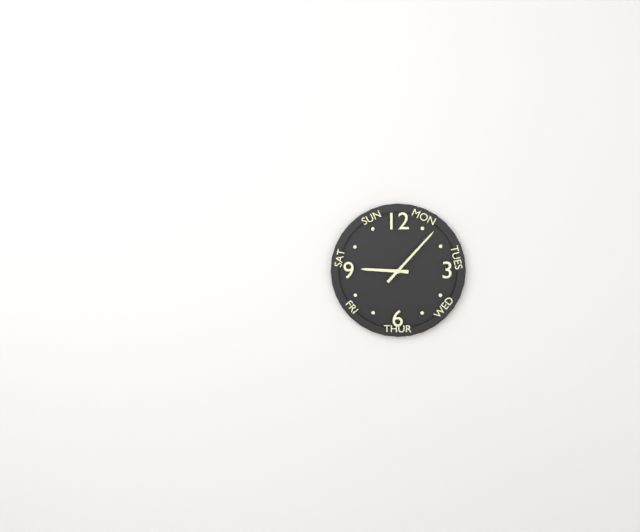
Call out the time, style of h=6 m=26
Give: h=9 m=7
